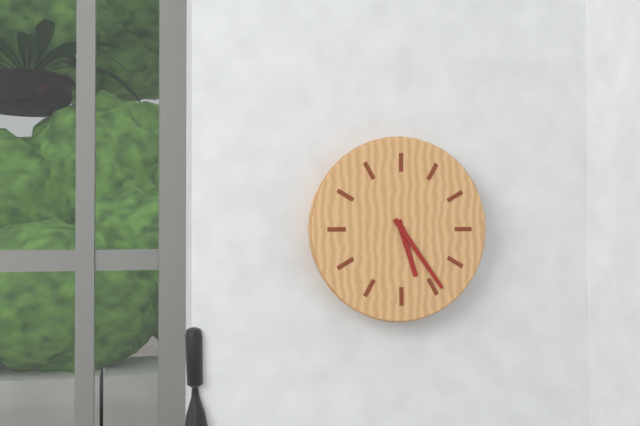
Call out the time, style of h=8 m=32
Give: h=5 m=24
